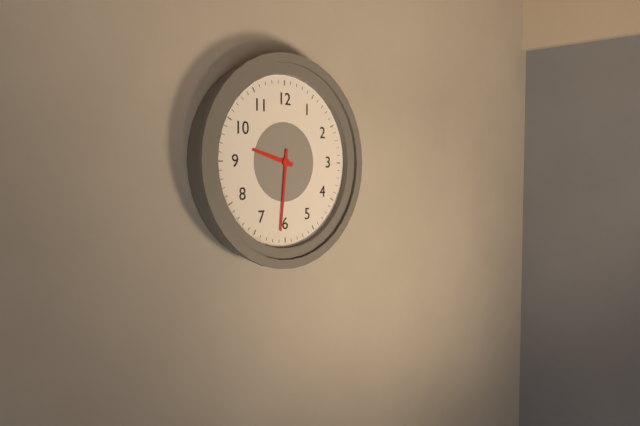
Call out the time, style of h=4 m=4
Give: h=9 m=31
